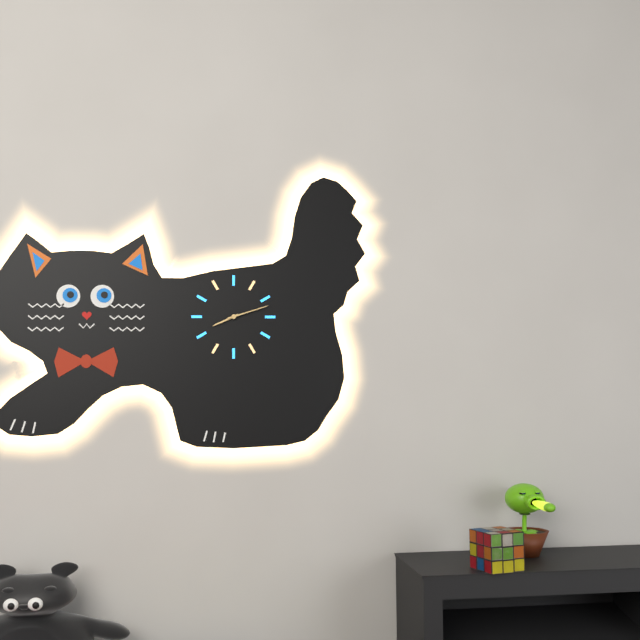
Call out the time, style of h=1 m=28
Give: h=8 m=12
